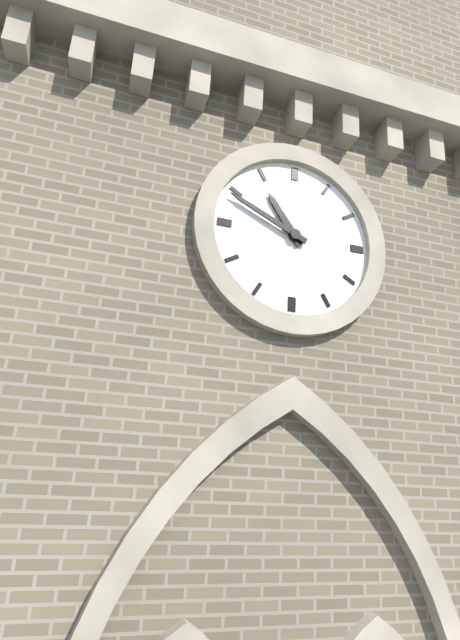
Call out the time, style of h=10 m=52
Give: h=10 m=49
